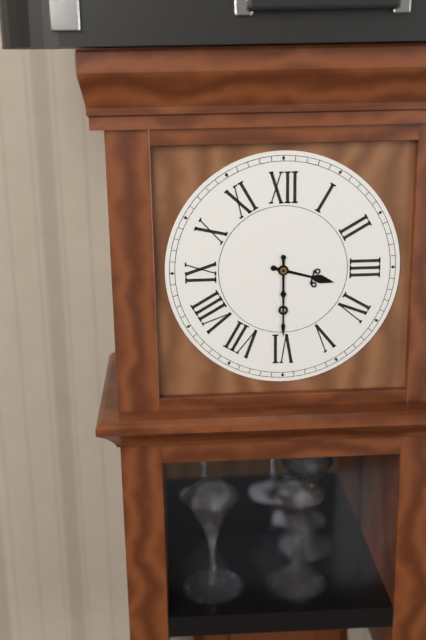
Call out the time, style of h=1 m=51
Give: h=3 m=30
